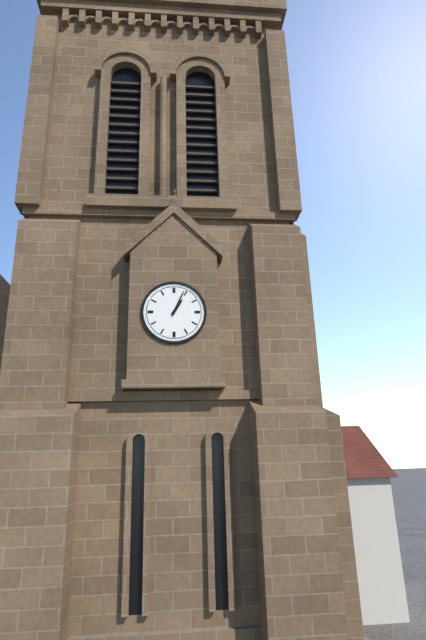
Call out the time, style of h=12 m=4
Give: h=1 m=4
